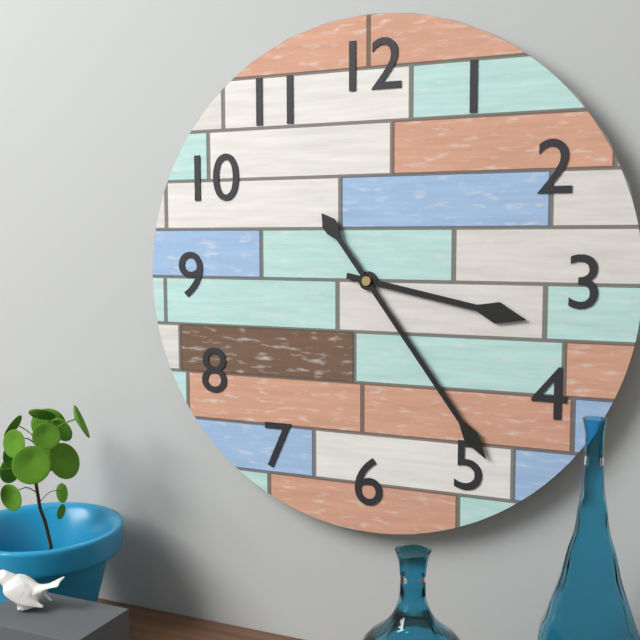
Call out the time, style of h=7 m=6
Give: h=3 m=24
